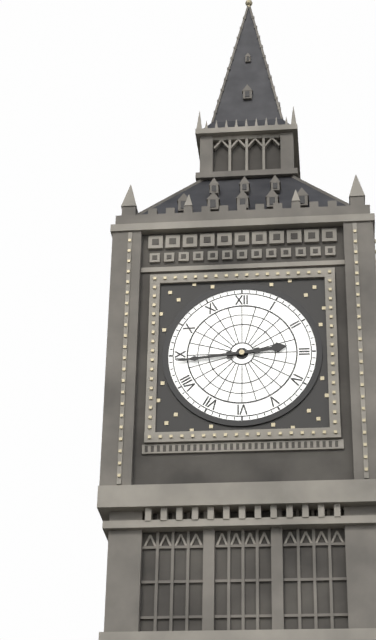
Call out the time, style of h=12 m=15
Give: h=2 m=44
